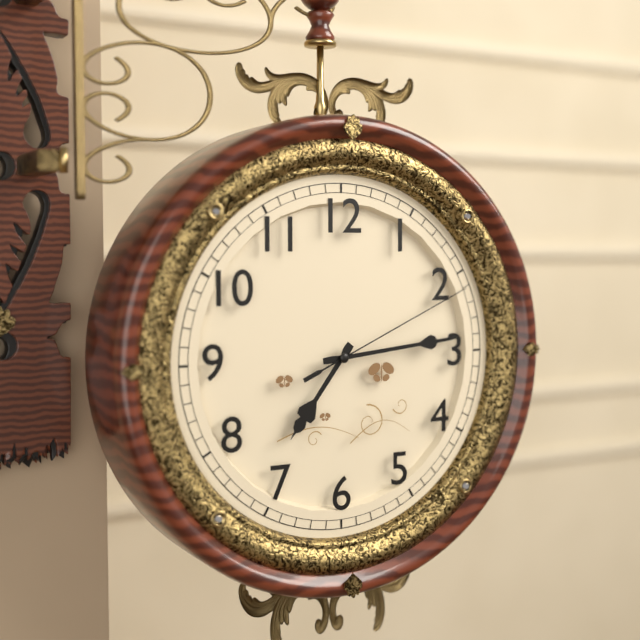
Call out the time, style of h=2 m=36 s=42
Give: h=7 m=14 s=11
